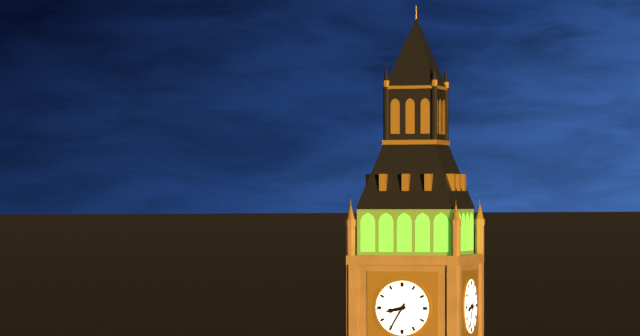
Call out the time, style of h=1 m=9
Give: h=8 m=35
